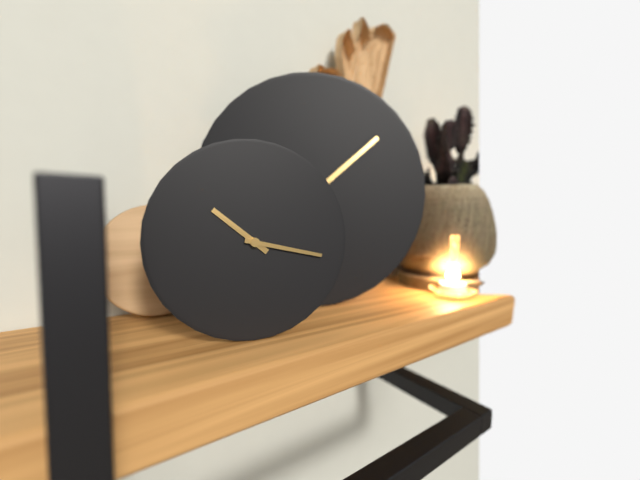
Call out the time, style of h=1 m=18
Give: h=10 m=17
